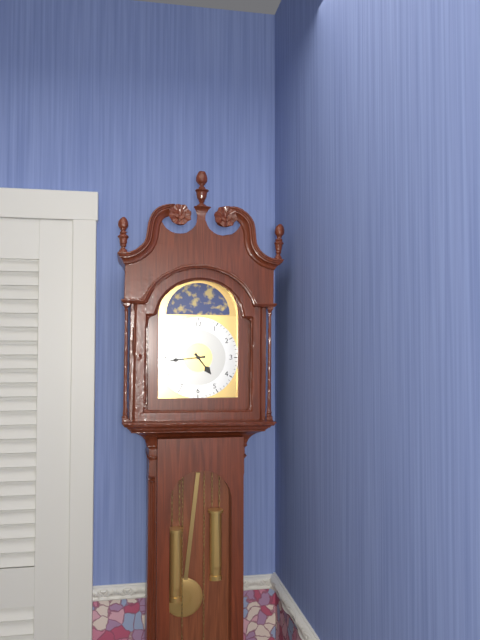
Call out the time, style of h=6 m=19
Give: h=4 m=44
